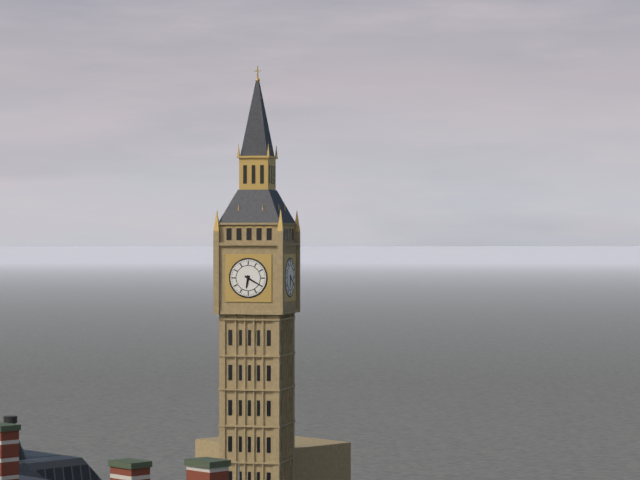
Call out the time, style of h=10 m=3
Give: h=6 m=20
